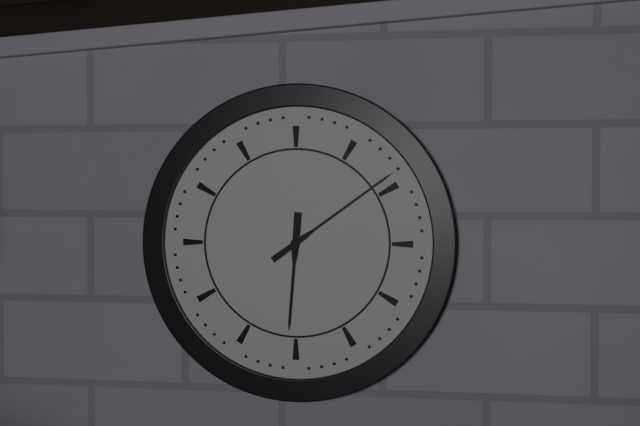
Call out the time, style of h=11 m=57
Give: h=6 m=9
